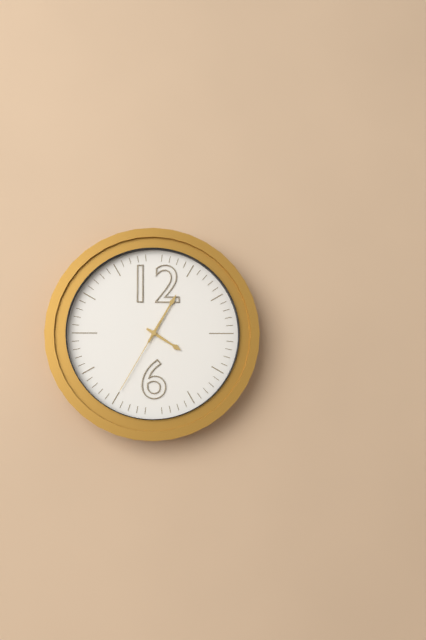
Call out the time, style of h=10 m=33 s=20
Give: h=4 m=5 s=35
